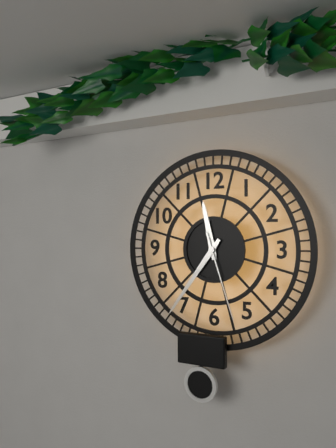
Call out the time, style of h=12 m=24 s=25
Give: h=11 m=36 s=27
